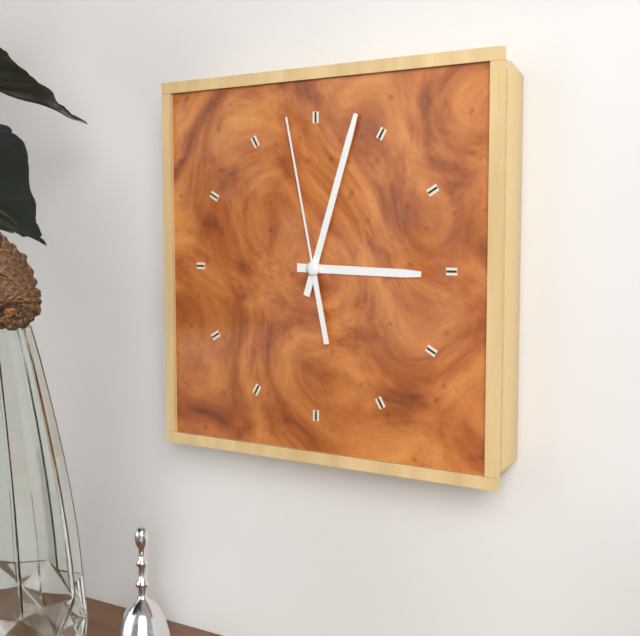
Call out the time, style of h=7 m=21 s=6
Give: h=3 m=3 s=58
